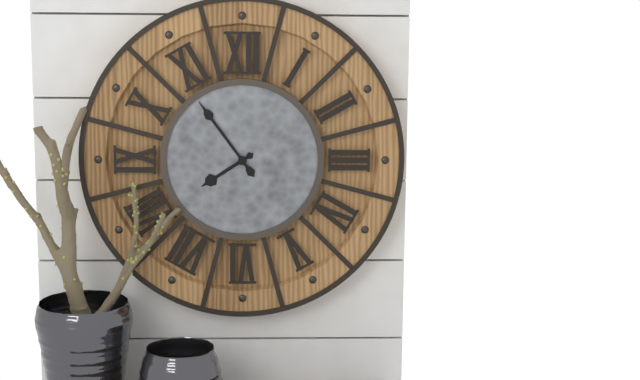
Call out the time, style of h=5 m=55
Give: h=7 m=54
